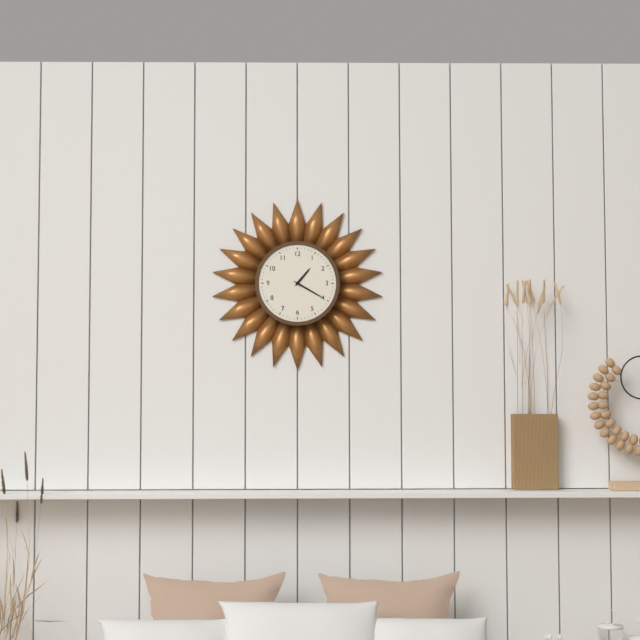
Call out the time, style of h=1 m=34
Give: h=1 m=20
